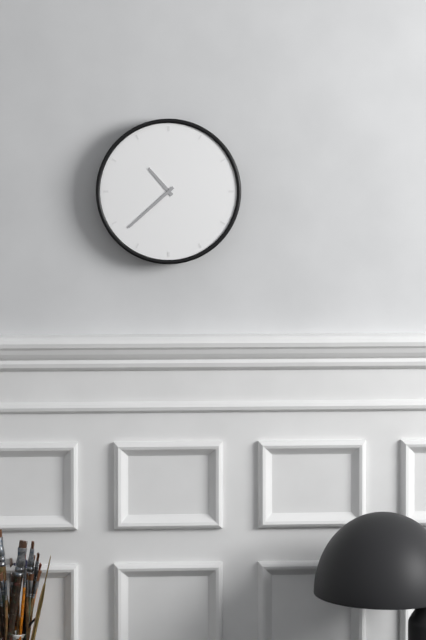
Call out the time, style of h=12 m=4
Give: h=10 m=38
